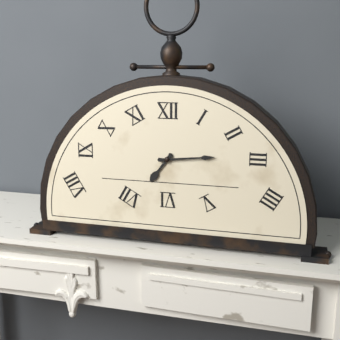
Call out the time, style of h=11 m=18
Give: h=7 m=14
